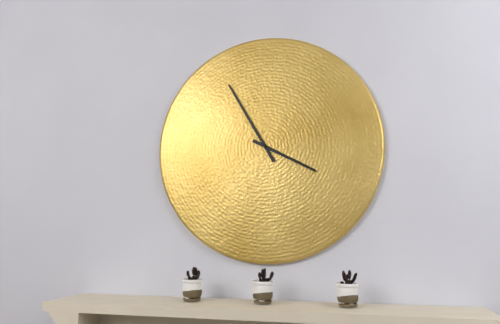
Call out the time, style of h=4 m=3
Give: h=3 m=55
